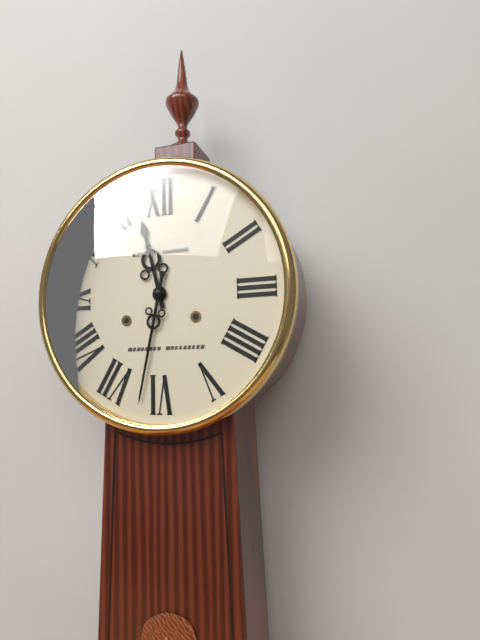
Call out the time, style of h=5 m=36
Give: h=11 m=32
